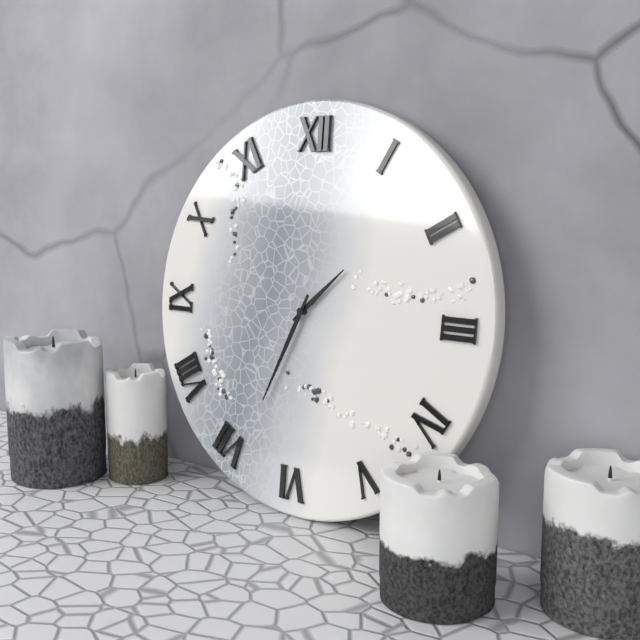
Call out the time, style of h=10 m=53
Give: h=1 m=34
